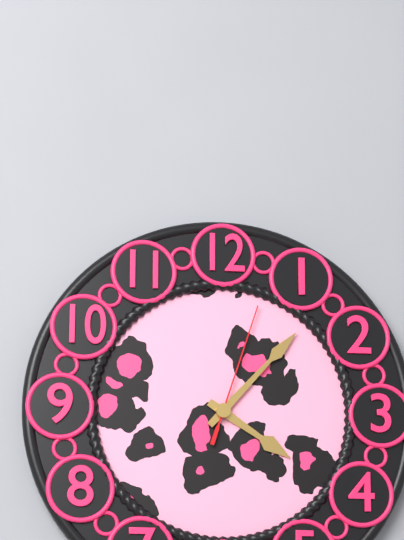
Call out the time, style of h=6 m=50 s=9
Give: h=4 m=7 s=3
